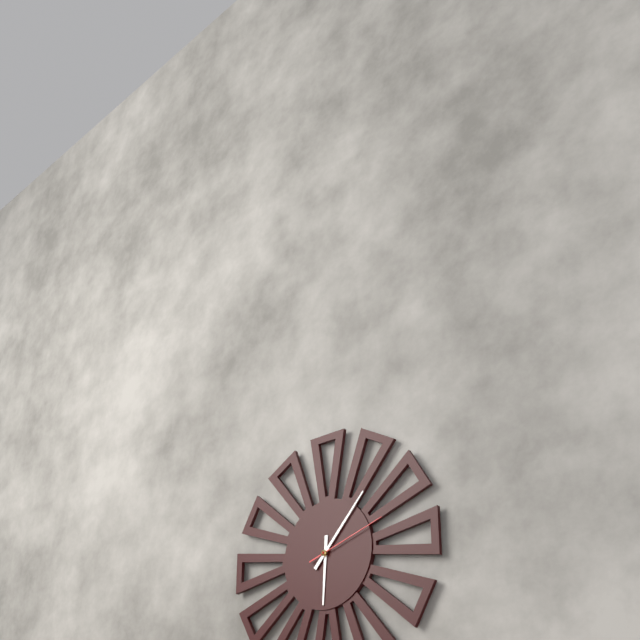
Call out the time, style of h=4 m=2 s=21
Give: h=6 m=7 s=12
